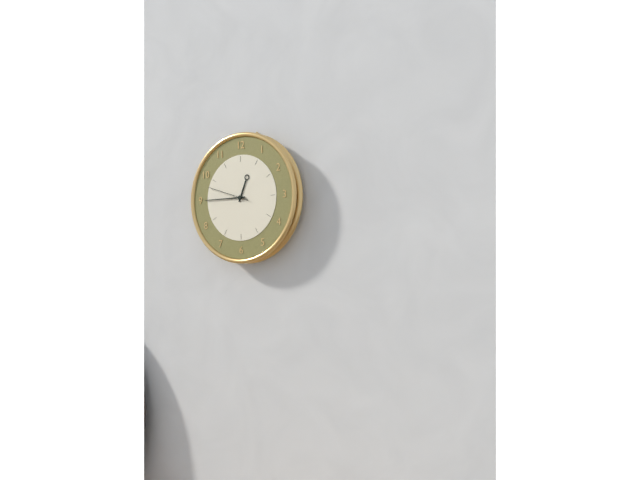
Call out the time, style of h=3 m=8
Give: h=12 m=45
